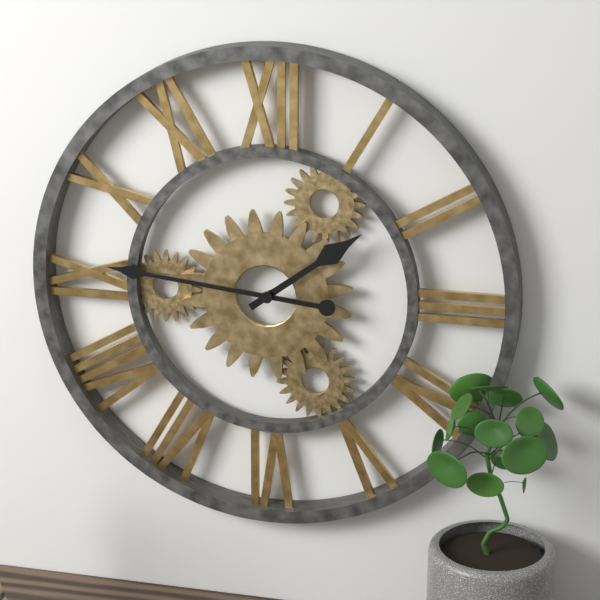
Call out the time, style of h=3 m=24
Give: h=1 m=46
